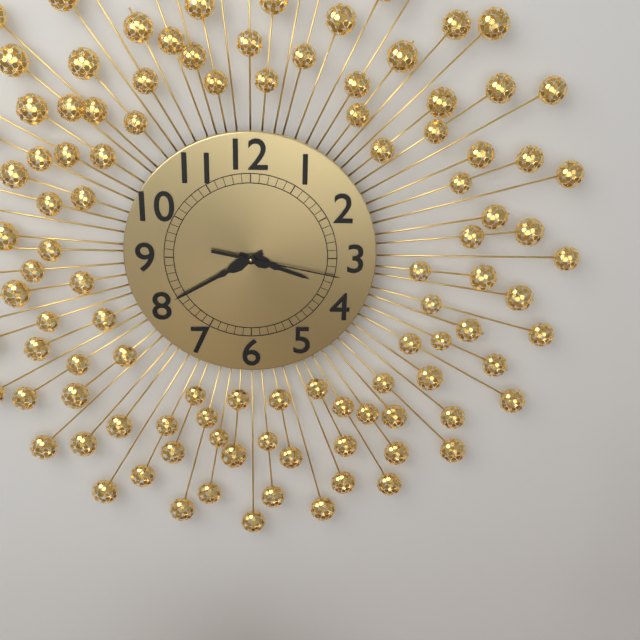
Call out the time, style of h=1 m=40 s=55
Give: h=3 m=40 s=17
